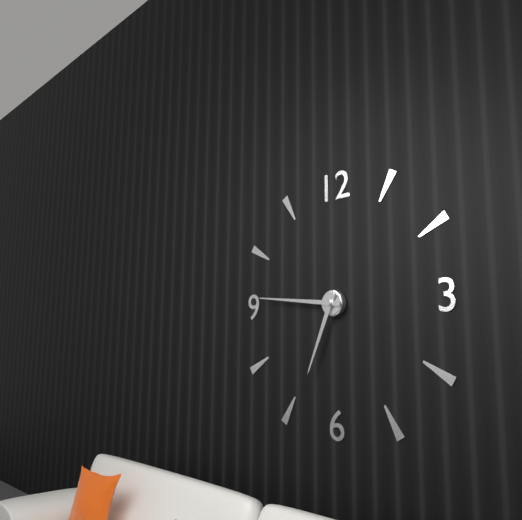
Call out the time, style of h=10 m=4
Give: h=6 m=46
